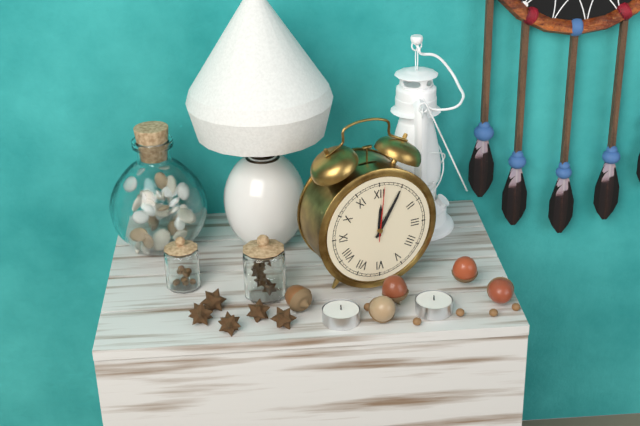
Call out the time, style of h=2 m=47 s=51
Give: h=12 m=5 s=1
